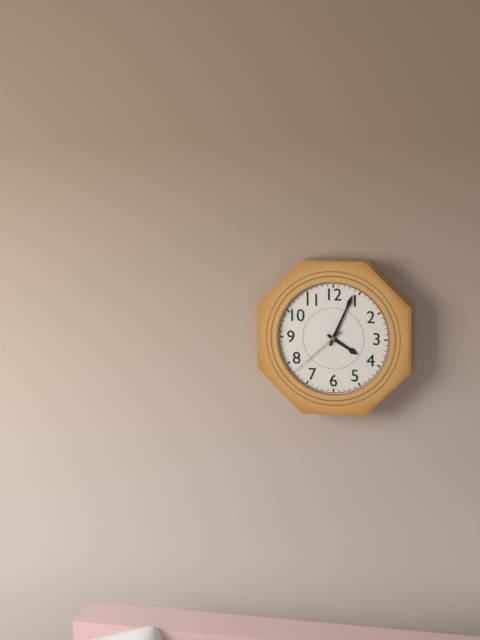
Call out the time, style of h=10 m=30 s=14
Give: h=4 m=4 s=38
